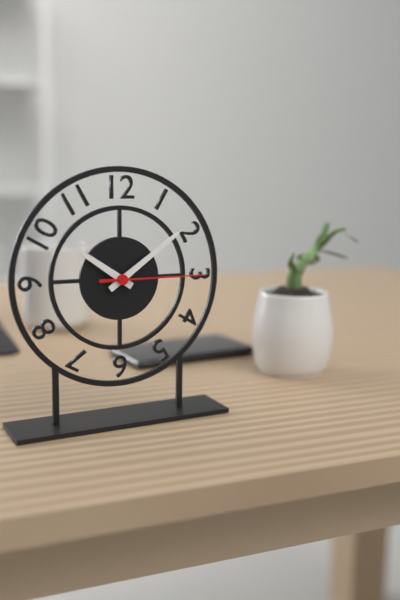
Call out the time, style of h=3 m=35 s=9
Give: h=10 m=9 s=15
